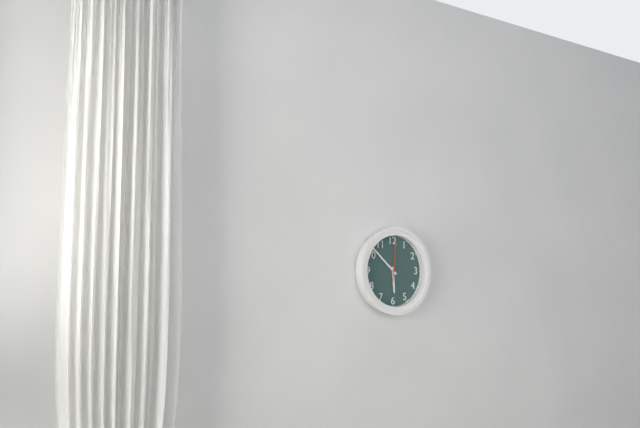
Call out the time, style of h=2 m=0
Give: h=5 m=52
